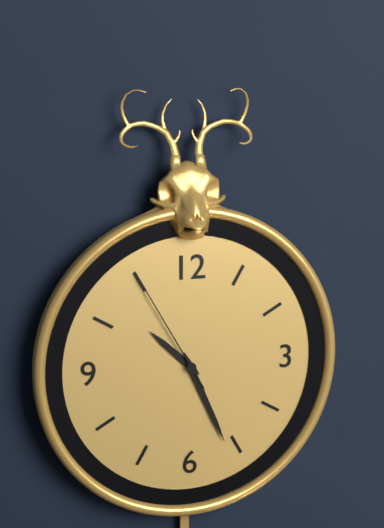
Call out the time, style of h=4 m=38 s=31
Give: h=10 m=26 s=55
